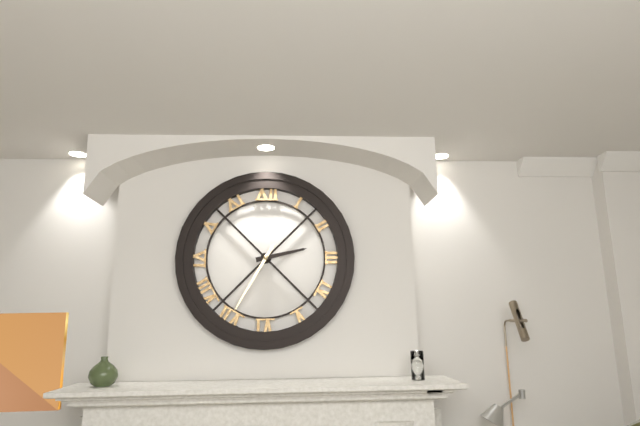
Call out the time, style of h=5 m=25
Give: h=2 m=35
